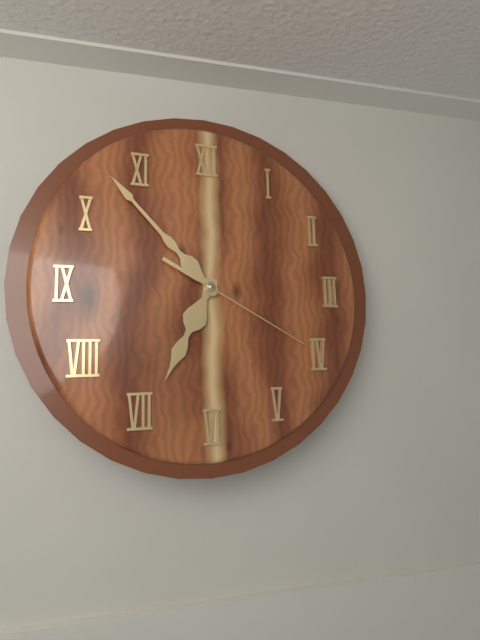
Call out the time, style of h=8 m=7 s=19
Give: h=6 m=53 s=20
